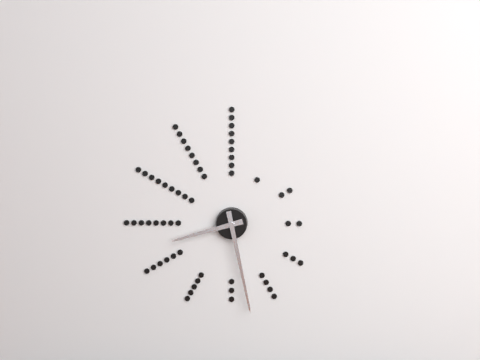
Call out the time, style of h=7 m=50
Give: h=8 m=28
